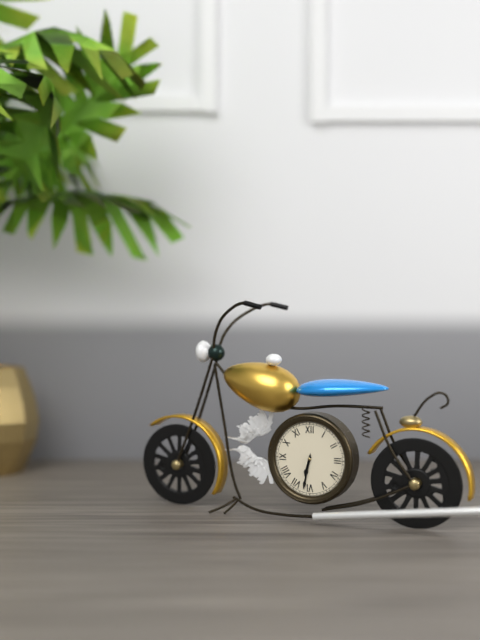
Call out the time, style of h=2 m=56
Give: h=6 m=32
